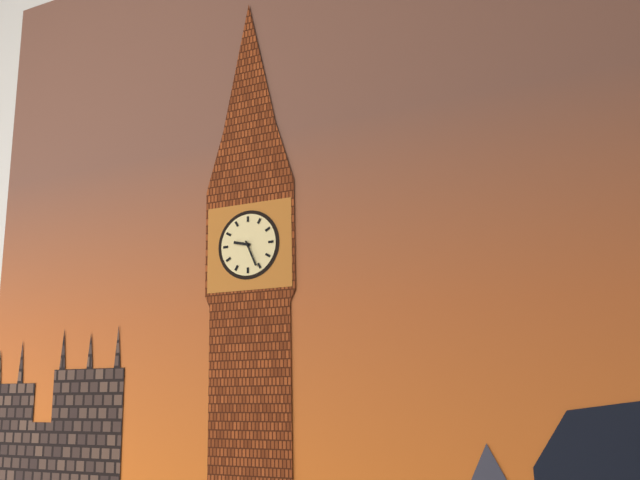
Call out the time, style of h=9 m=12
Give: h=9 m=26
